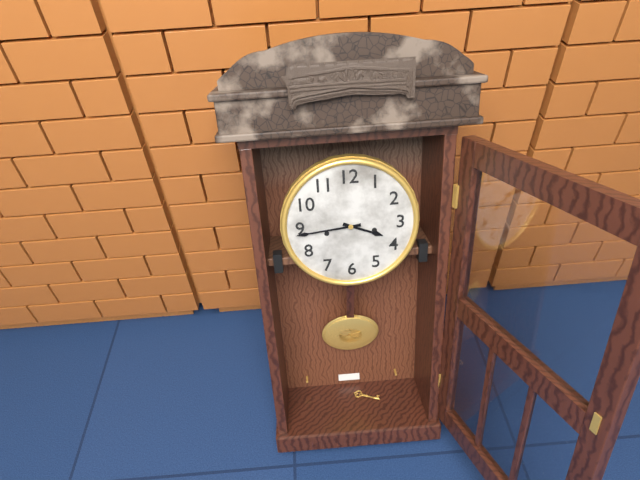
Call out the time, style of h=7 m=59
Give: h=3 m=44
